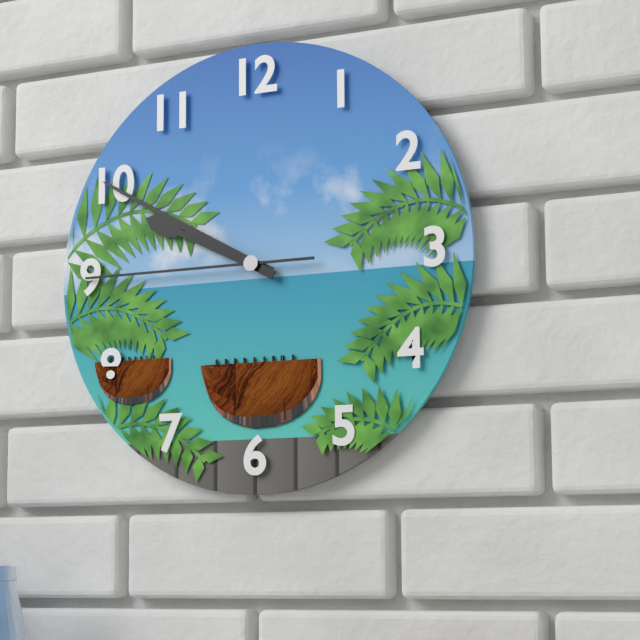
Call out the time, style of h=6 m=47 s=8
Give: h=9 m=50 s=45
